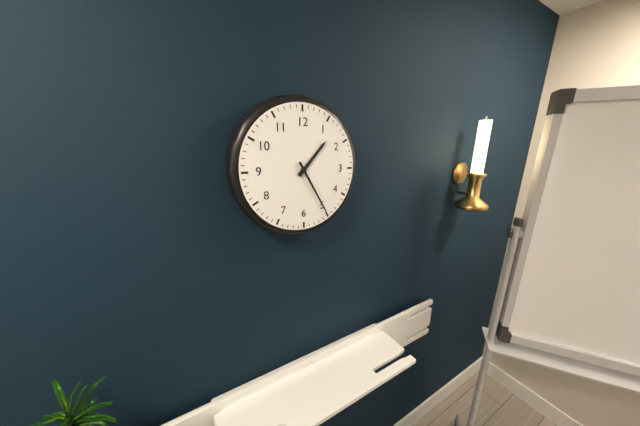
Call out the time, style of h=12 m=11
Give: h=1 m=25
